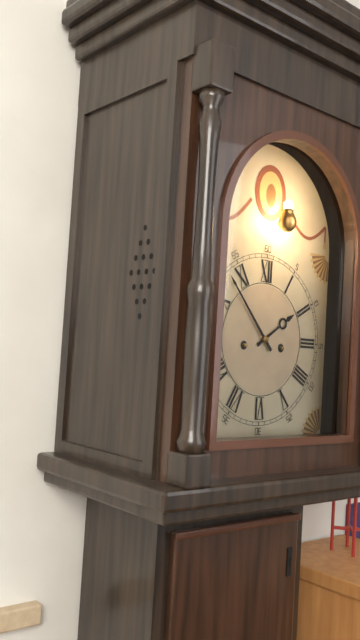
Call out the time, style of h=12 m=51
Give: h=1 m=53
